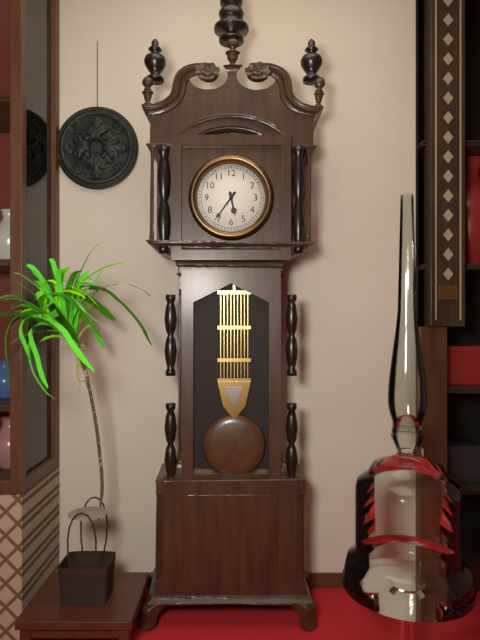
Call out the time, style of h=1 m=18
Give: h=5 m=36
